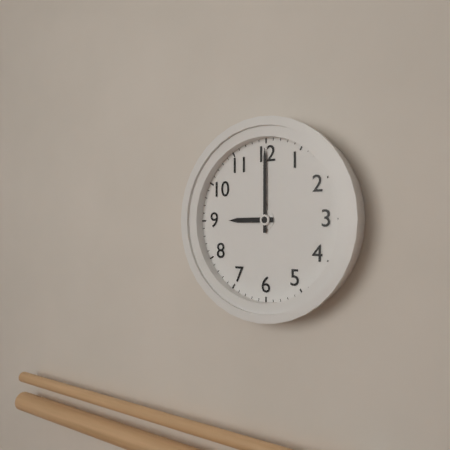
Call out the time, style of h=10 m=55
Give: h=9 m=0
